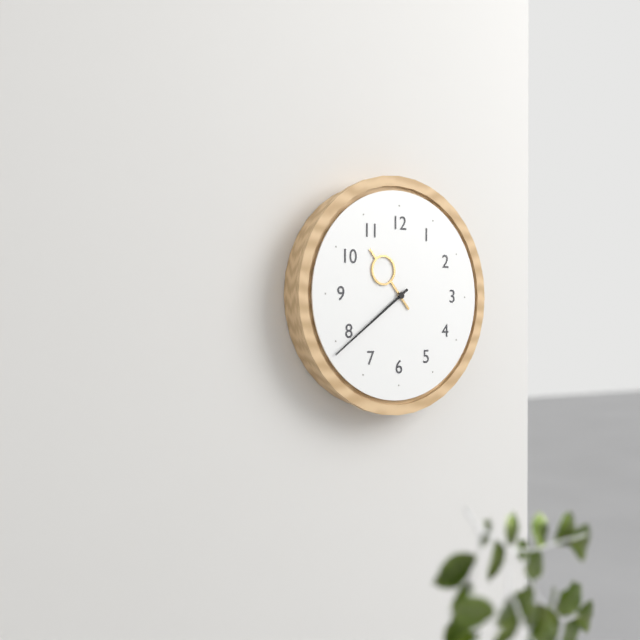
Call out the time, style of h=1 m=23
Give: h=10 m=39
